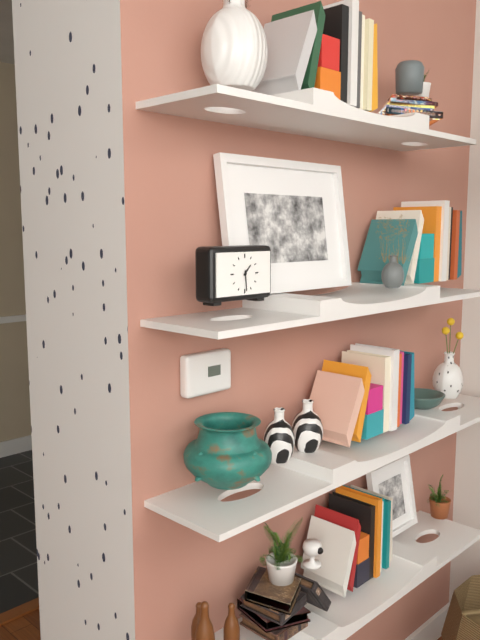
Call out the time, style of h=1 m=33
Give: h=1 m=29
